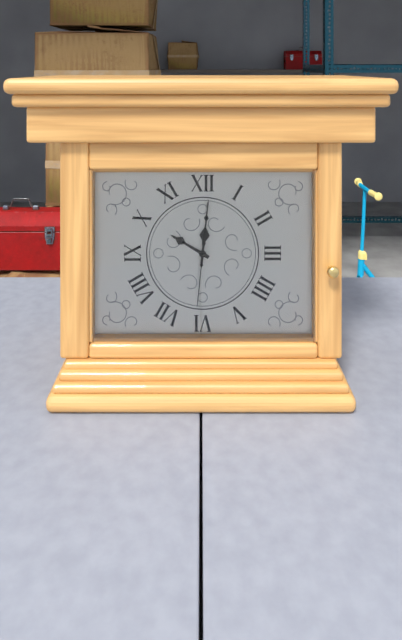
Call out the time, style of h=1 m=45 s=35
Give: h=10 m=1 s=31
